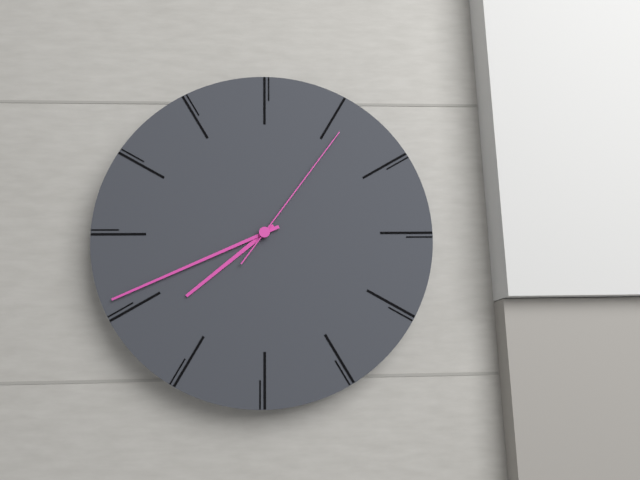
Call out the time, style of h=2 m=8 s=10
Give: h=7 m=41 s=6
